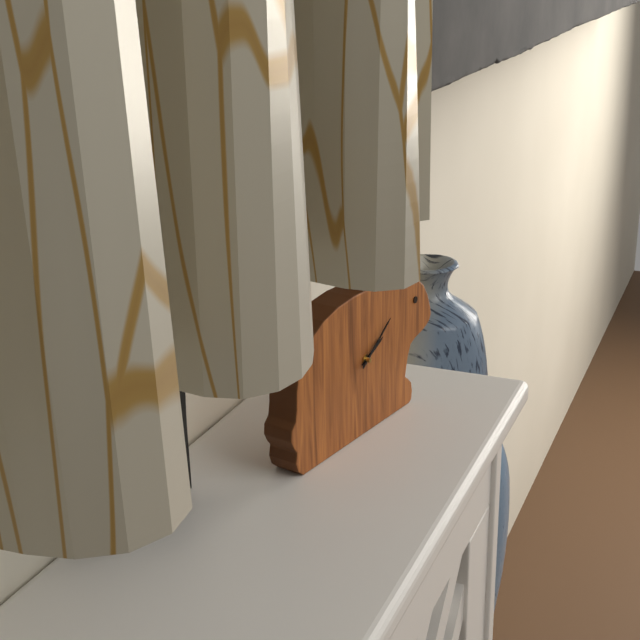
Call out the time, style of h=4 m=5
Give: h=2 m=9
